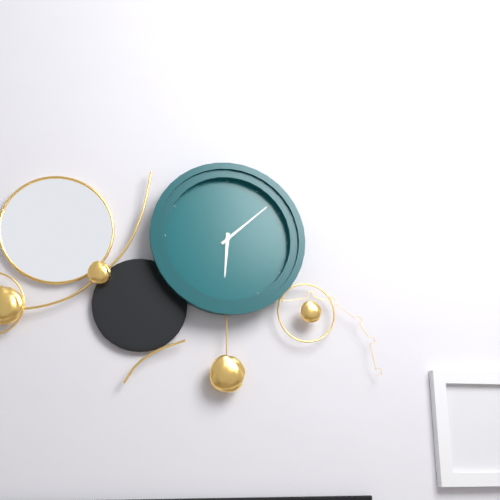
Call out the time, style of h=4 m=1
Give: h=6 m=8
